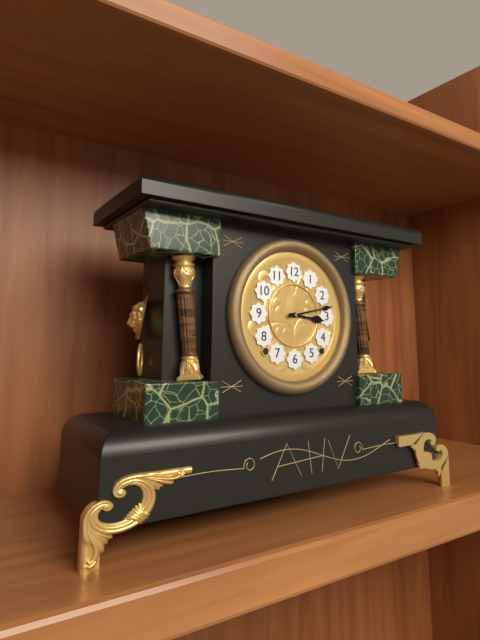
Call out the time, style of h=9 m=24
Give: h=3 m=13
